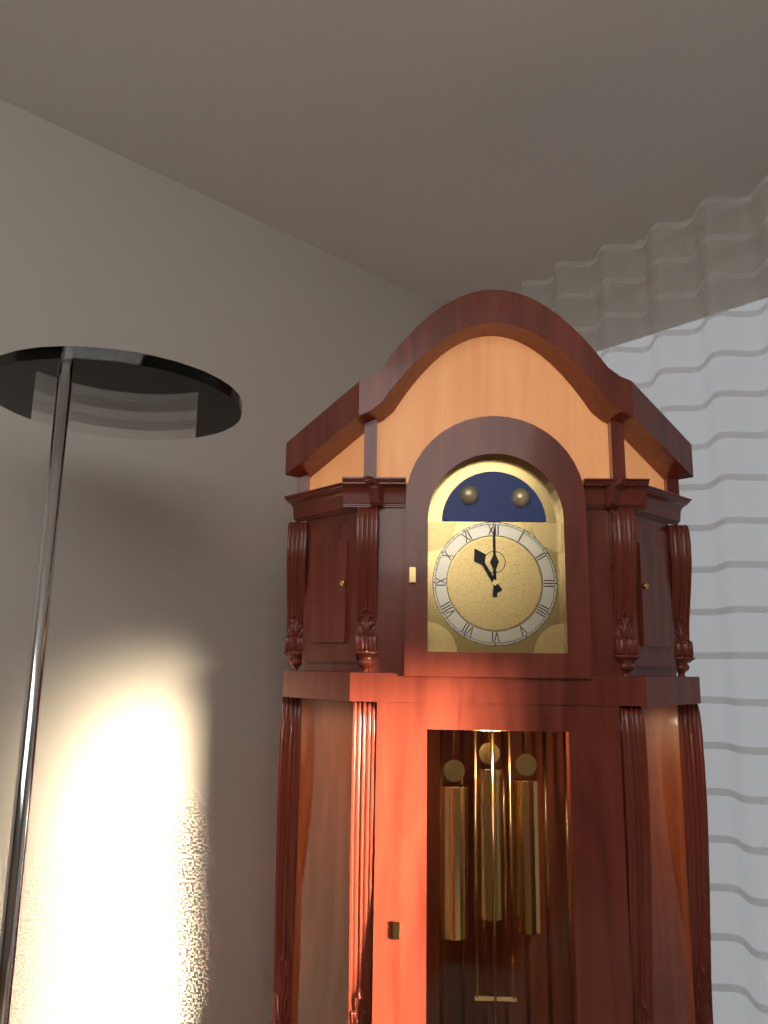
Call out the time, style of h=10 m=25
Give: h=11 m=0
